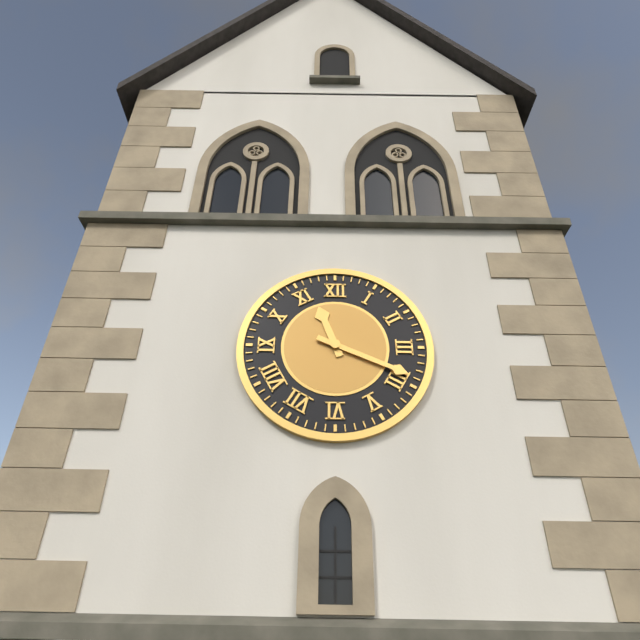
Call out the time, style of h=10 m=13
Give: h=11 m=19
